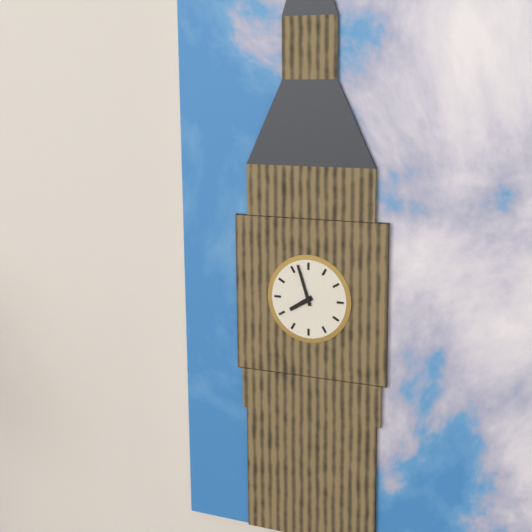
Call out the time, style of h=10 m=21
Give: h=7 m=57
